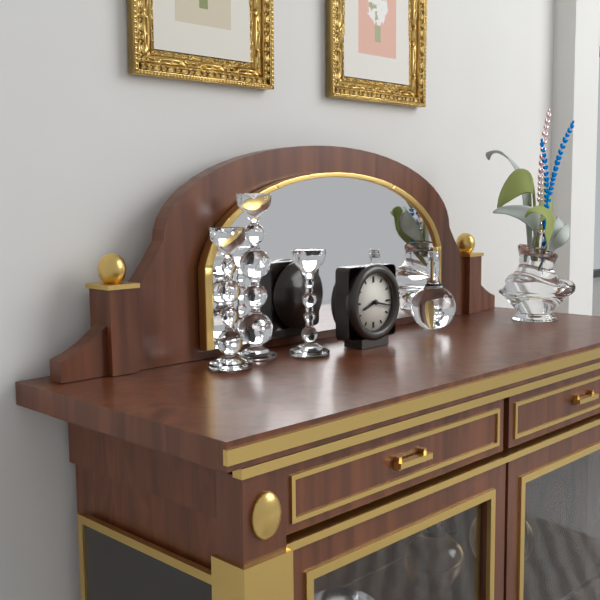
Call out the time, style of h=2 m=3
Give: h=8 m=17
